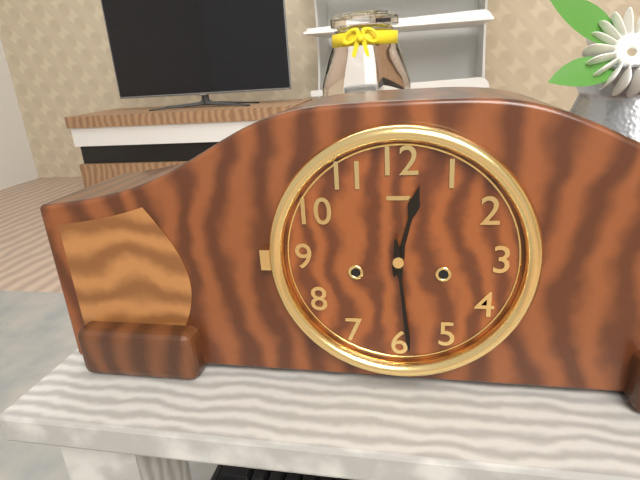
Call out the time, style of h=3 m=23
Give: h=12 m=29
